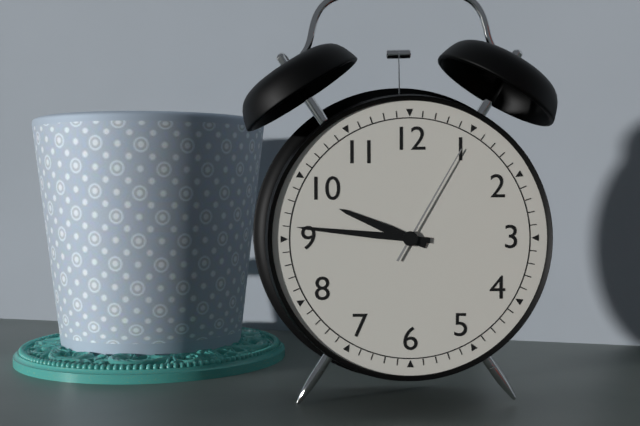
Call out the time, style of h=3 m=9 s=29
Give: h=9 m=46 s=5
